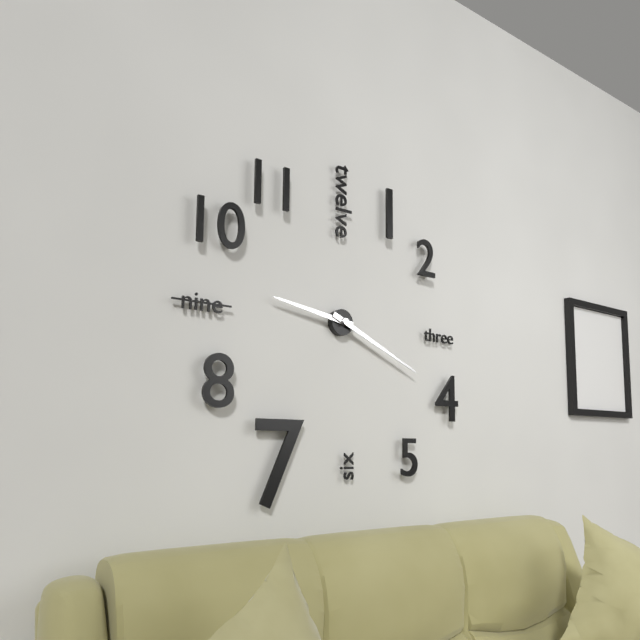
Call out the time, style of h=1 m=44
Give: h=9 m=19
